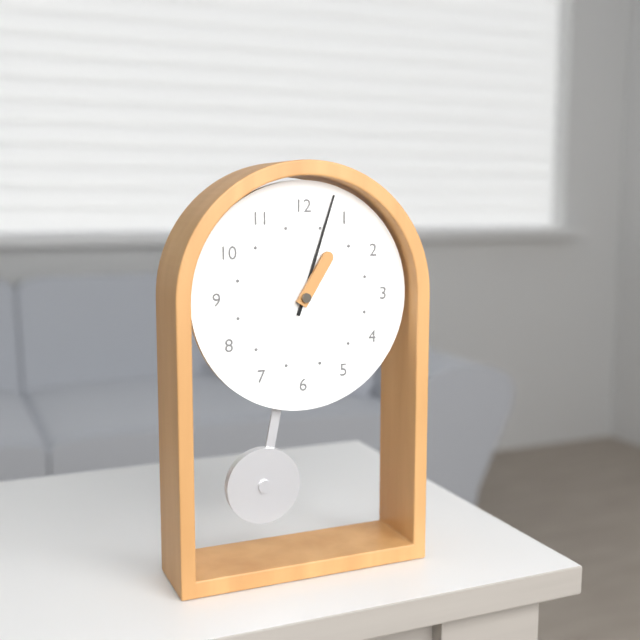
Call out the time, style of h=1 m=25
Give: h=1 m=3
